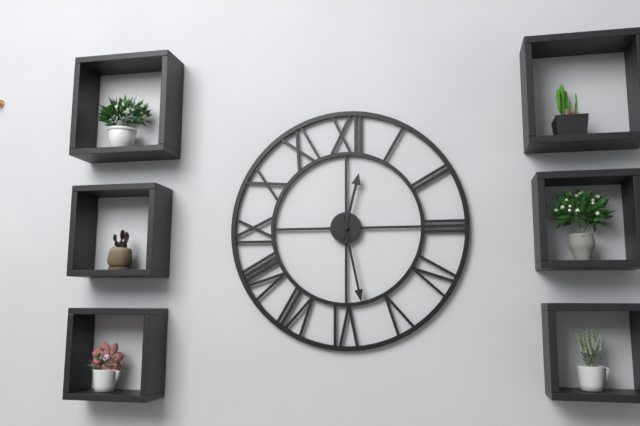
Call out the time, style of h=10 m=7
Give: h=12 m=28
